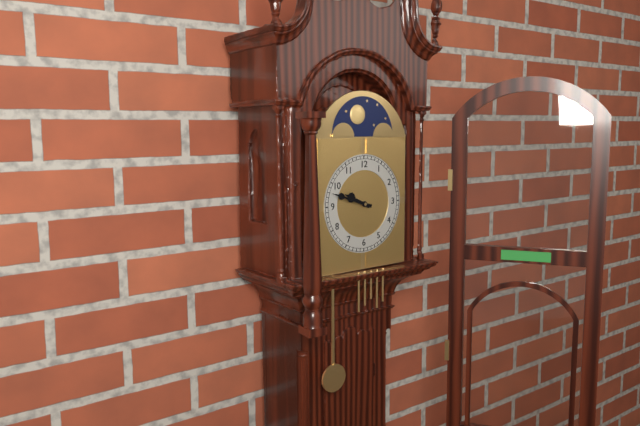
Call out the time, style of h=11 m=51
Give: h=9 m=48
